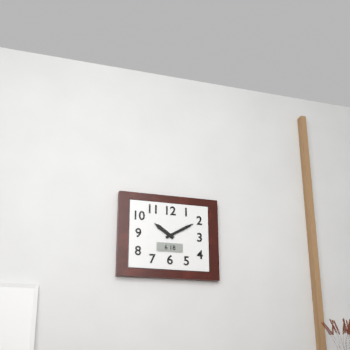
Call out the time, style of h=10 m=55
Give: h=10 m=10
